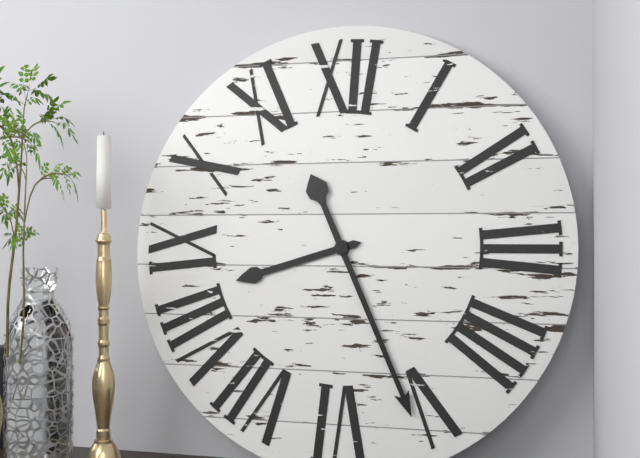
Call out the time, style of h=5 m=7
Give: h=8 m=26
